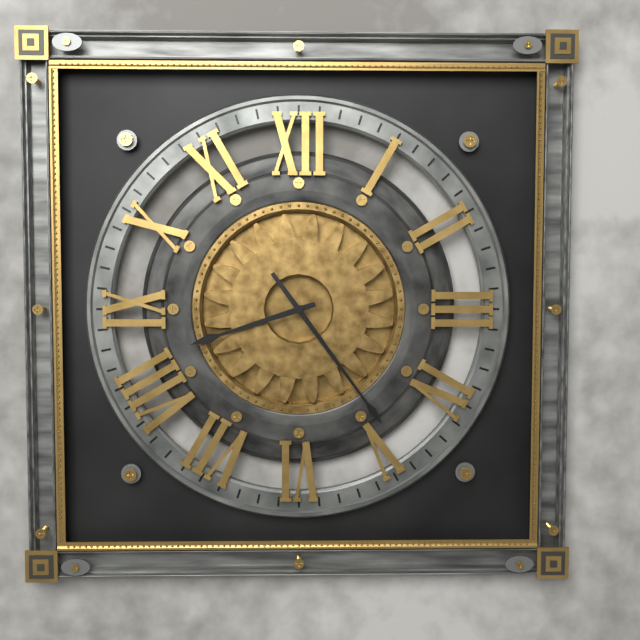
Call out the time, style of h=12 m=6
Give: h=8 m=24
